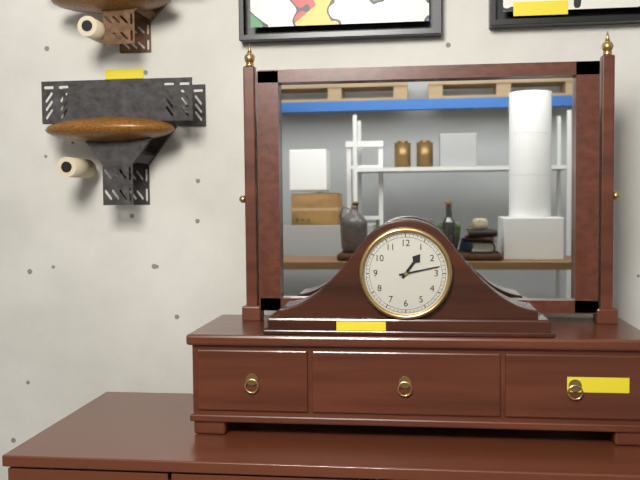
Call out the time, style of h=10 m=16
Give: h=1 m=13
